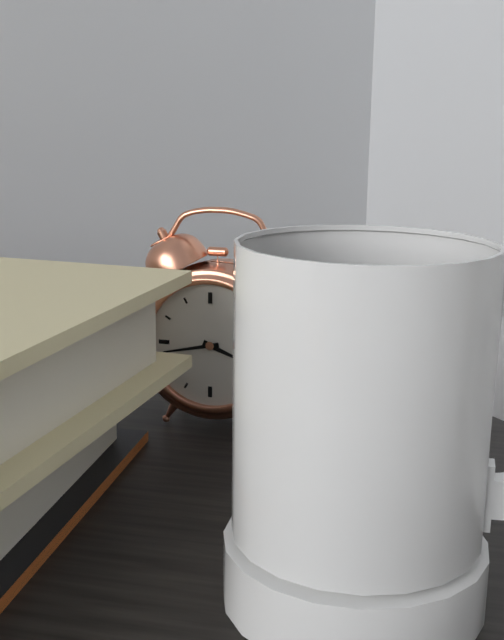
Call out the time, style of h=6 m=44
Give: h=3 m=43
